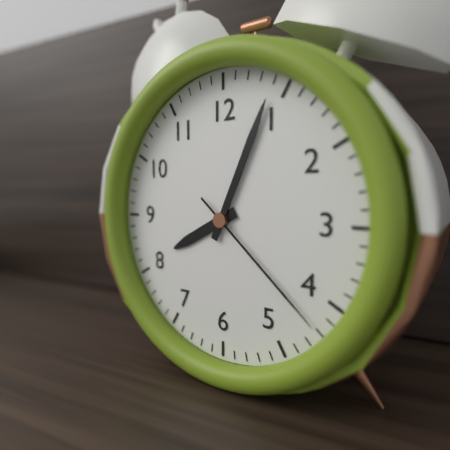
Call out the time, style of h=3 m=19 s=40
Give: h=8 m=4 s=22
